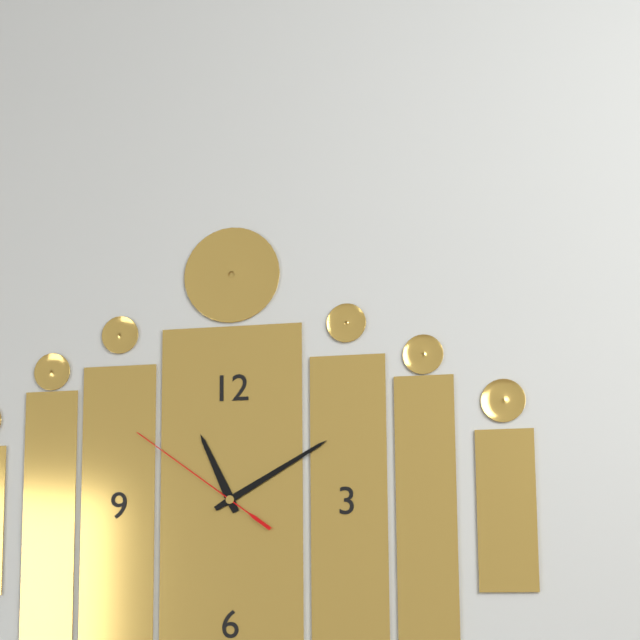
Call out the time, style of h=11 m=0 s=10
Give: h=11 m=10 s=51
